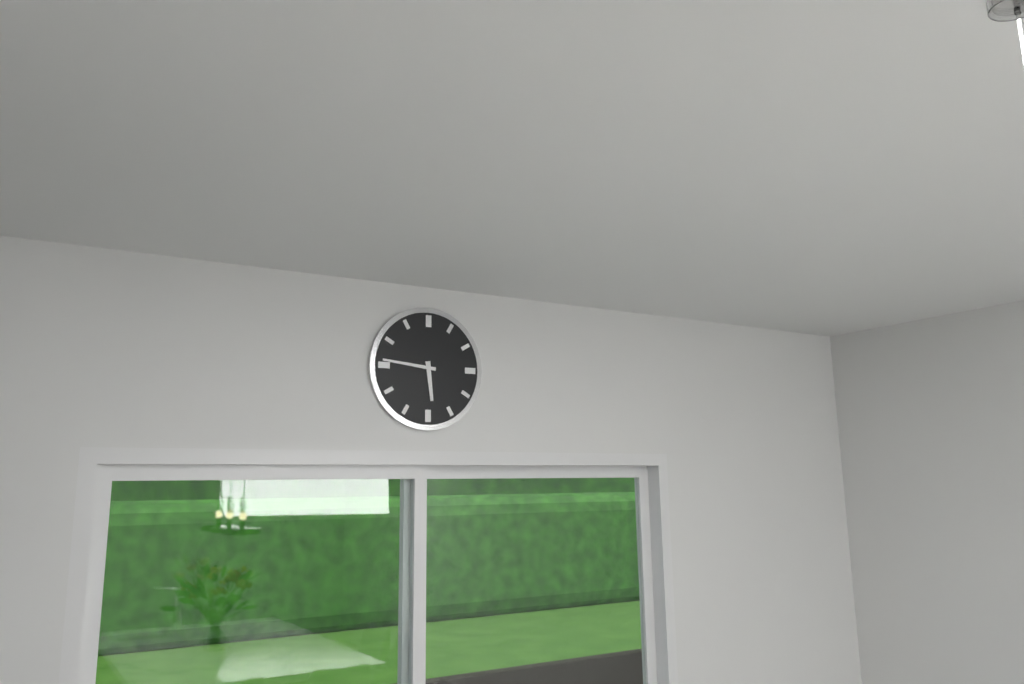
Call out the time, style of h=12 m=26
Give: h=5 m=46
